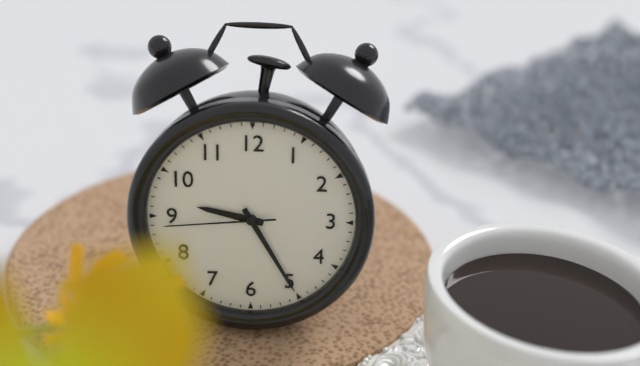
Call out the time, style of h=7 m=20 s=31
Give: h=9 m=25 s=44
